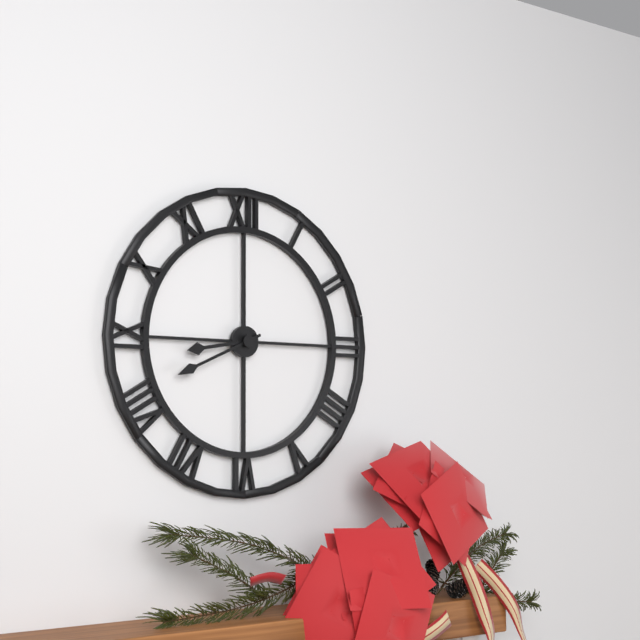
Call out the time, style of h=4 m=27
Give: h=8 m=41
